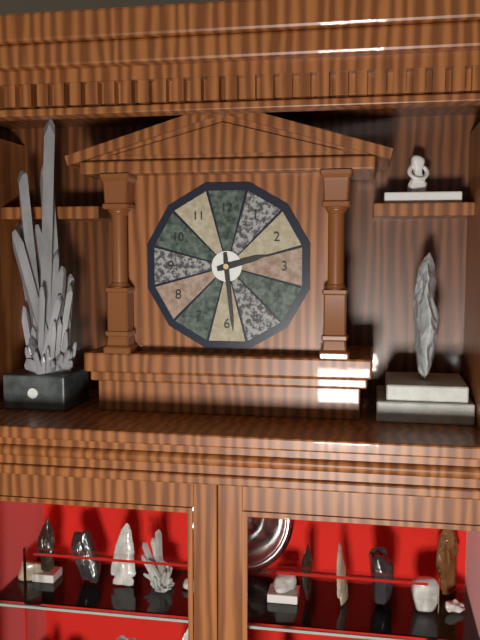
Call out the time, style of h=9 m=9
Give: h=2 m=29
